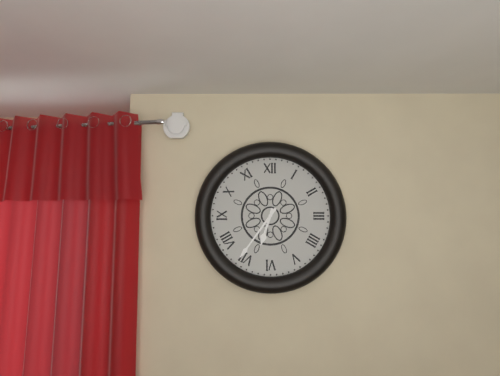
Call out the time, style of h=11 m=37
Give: h=6 m=36
